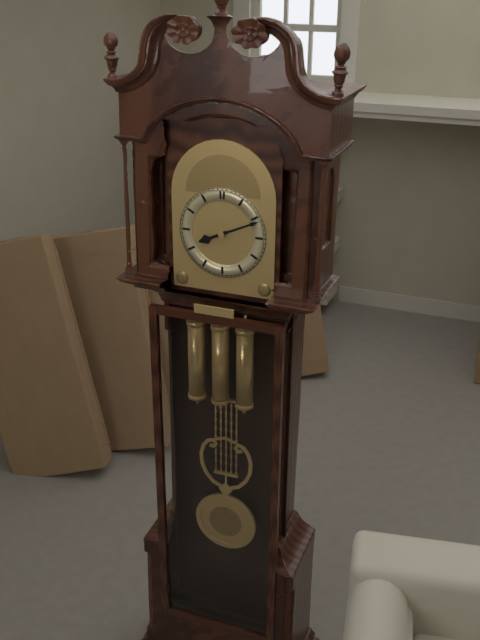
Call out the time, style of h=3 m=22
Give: h=8 m=11
